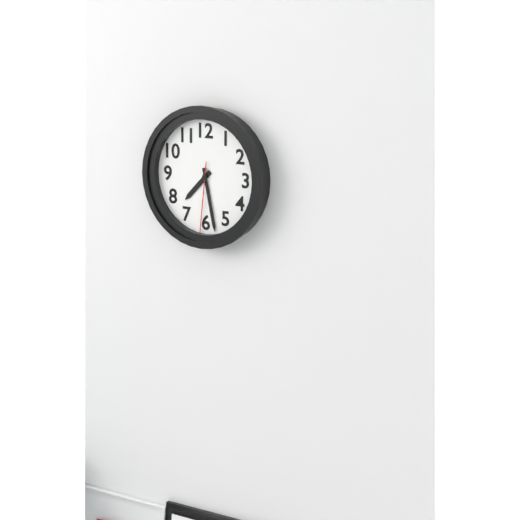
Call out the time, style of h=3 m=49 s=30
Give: h=7 m=28 s=31
